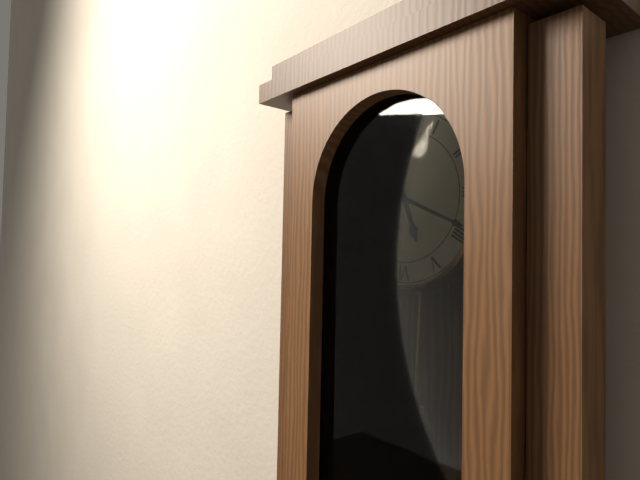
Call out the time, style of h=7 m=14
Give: h=5 m=19
